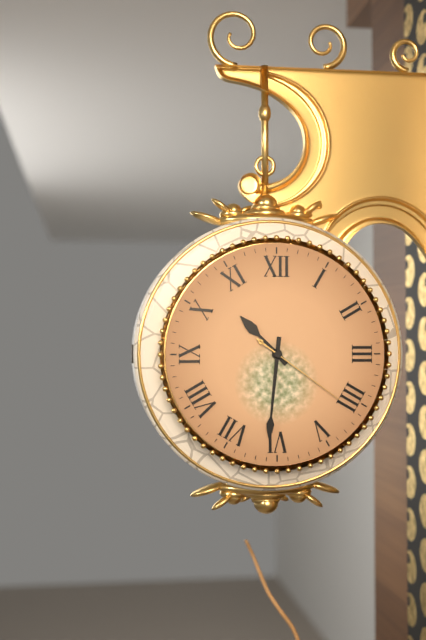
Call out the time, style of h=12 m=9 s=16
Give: h=10 m=31 s=21
